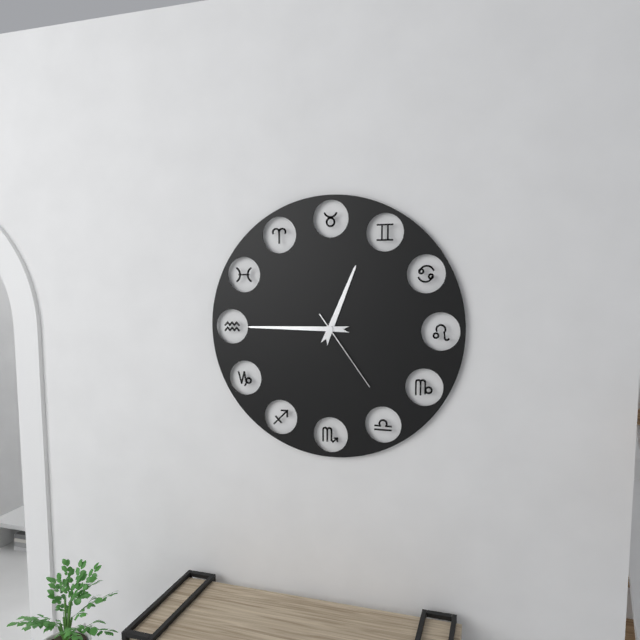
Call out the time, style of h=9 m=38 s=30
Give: h=12 m=45 s=24
